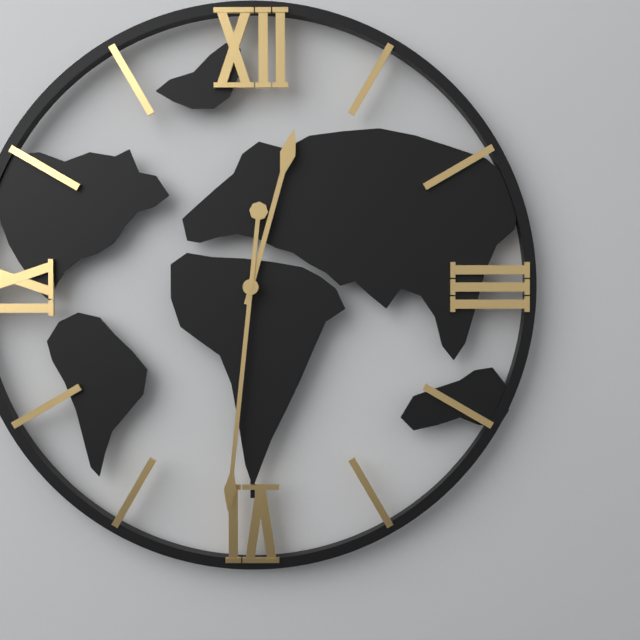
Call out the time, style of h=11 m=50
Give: h=12 m=31
